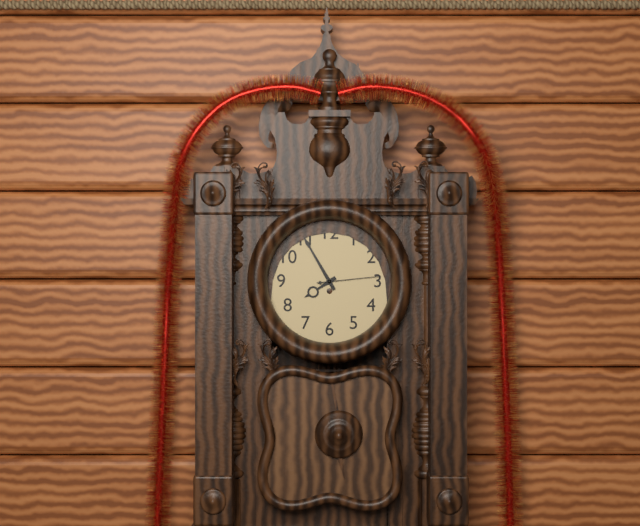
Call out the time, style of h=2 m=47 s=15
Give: h=7 m=55 s=14
